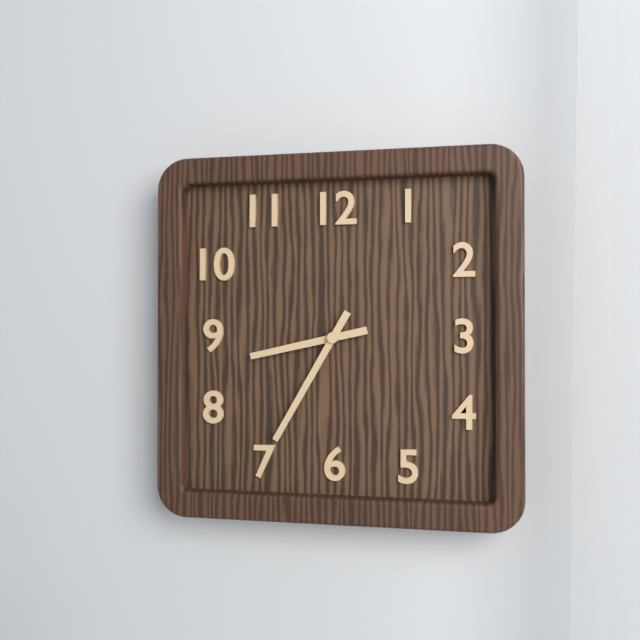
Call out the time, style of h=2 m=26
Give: h=8 m=35
